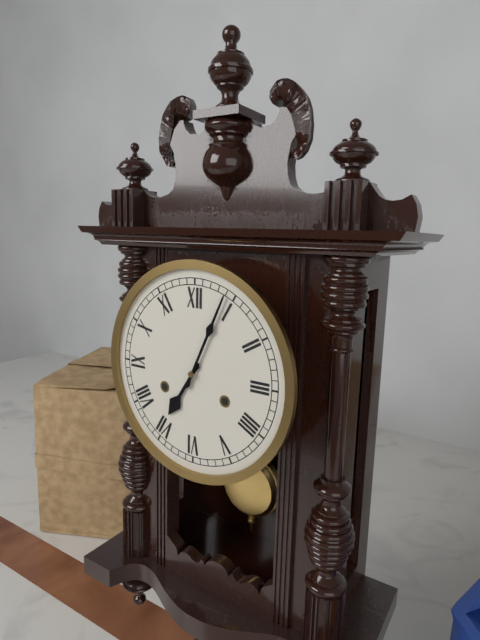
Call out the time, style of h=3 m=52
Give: h=7 m=4
